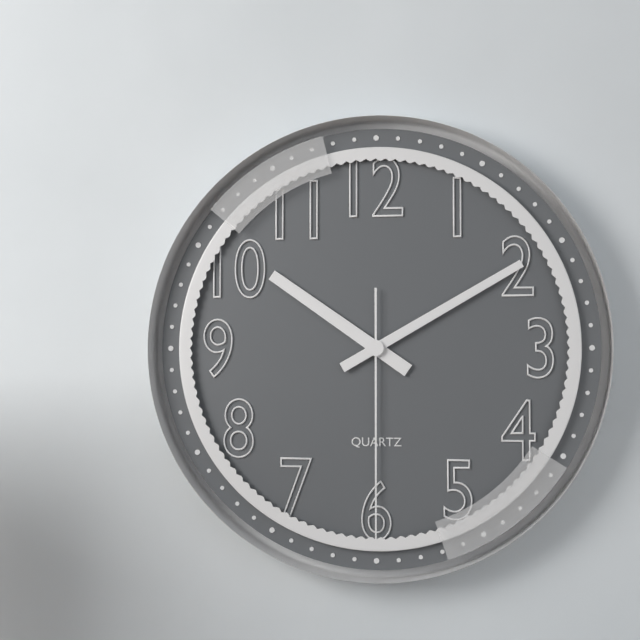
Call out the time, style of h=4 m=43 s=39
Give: h=10 m=10 s=30
